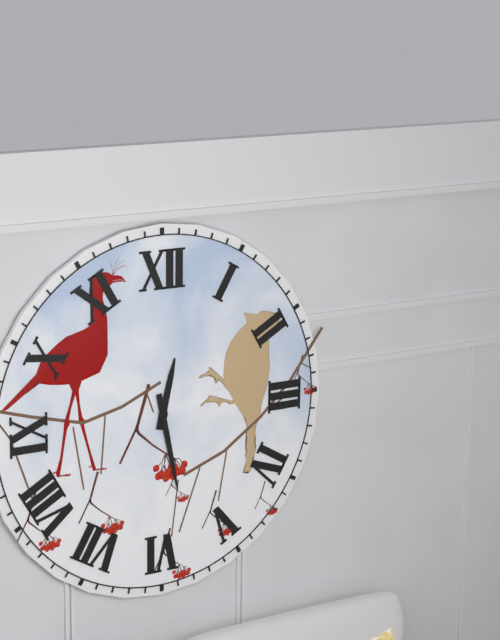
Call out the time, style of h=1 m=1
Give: h=12 m=28
